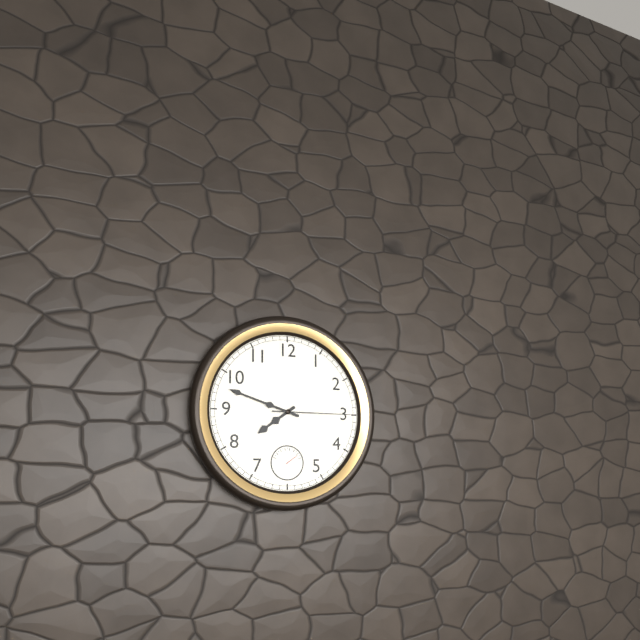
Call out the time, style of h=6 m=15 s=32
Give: h=7 m=48 s=15
